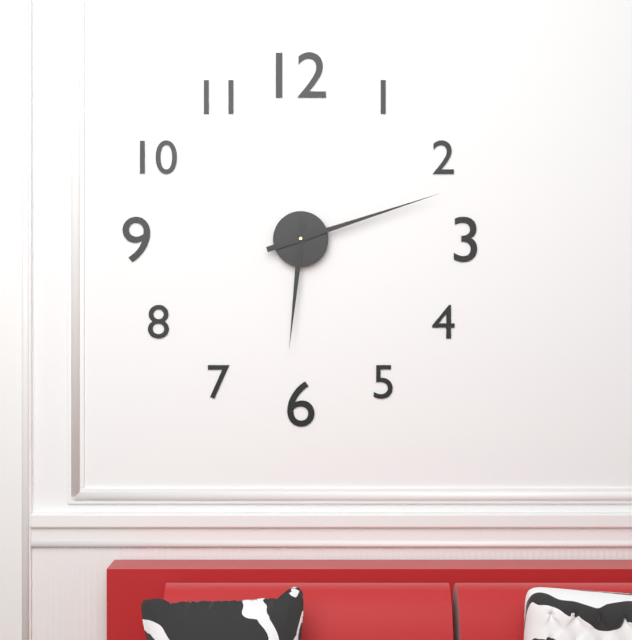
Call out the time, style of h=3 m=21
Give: h=6 m=12
